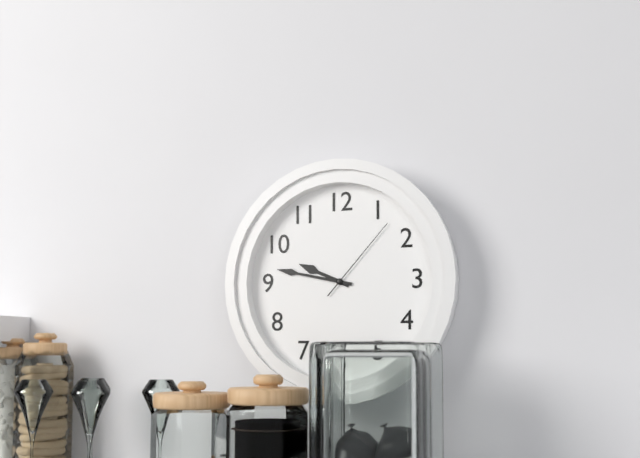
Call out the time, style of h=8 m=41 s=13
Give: h=9 m=47 s=7
